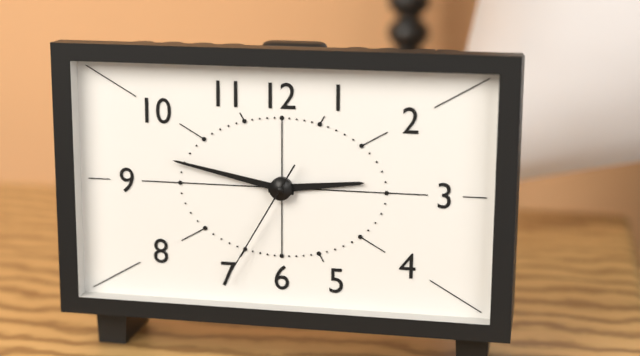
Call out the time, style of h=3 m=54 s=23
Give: h=2 m=47 s=35
